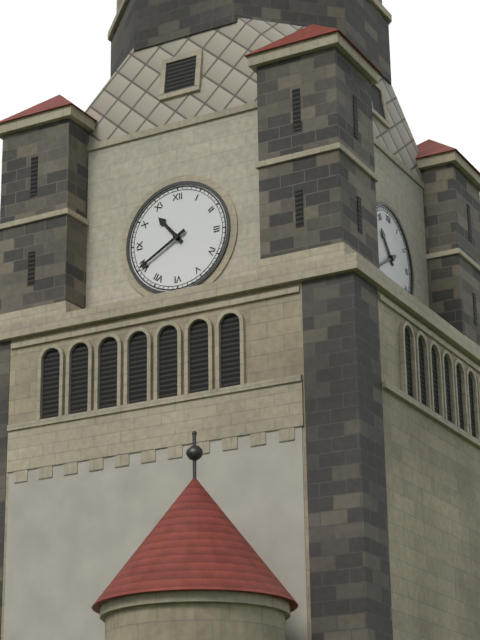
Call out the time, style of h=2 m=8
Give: h=10 m=40
